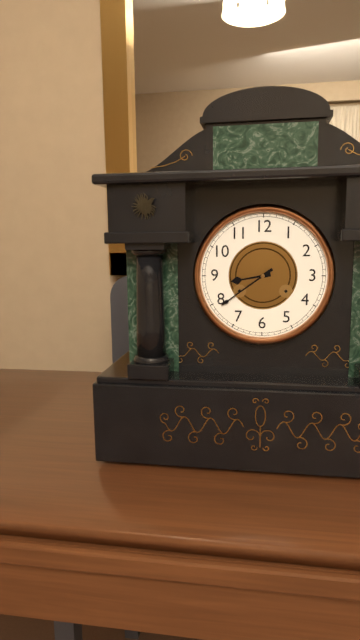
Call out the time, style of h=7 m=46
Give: h=8 m=39
